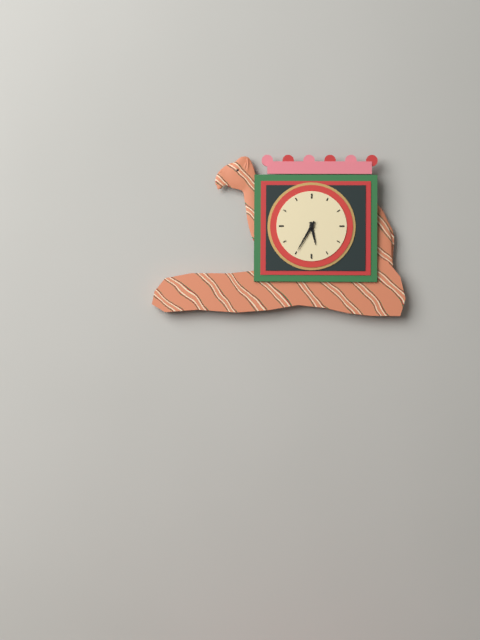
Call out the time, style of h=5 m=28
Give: h=5 m=35
